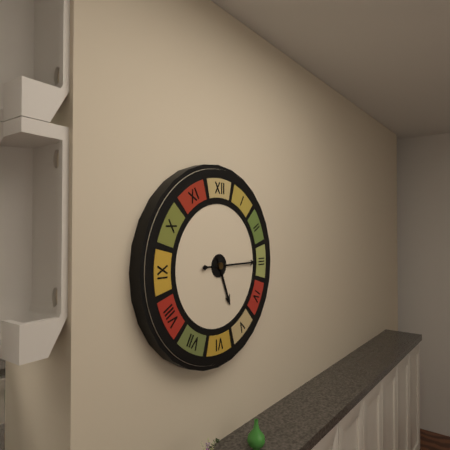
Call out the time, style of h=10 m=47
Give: h=5 m=15
